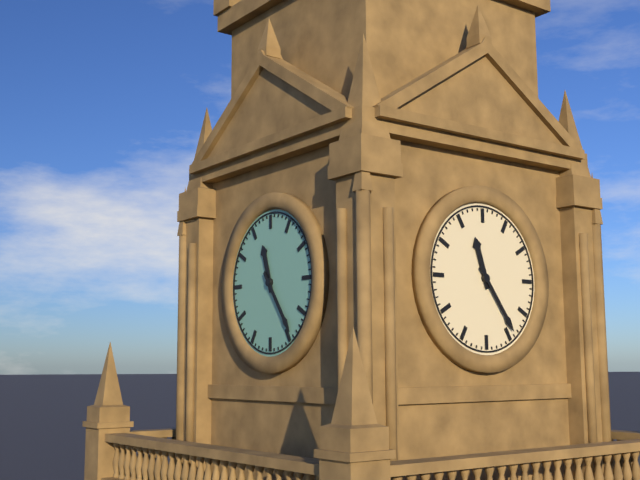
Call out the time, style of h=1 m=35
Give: h=11 m=24
